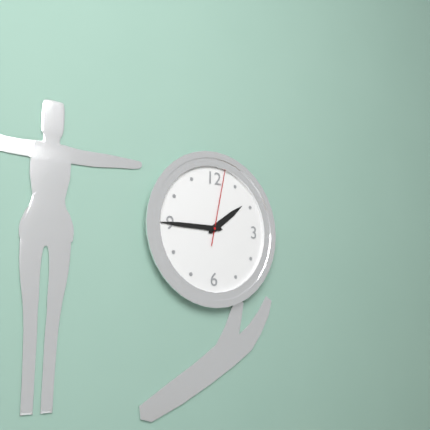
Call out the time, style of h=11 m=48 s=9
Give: h=1 m=45 s=2
